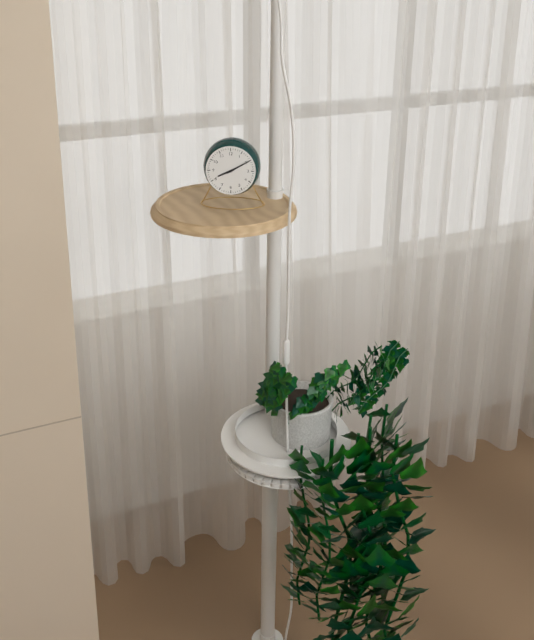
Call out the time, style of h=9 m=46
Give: h=8 m=10
